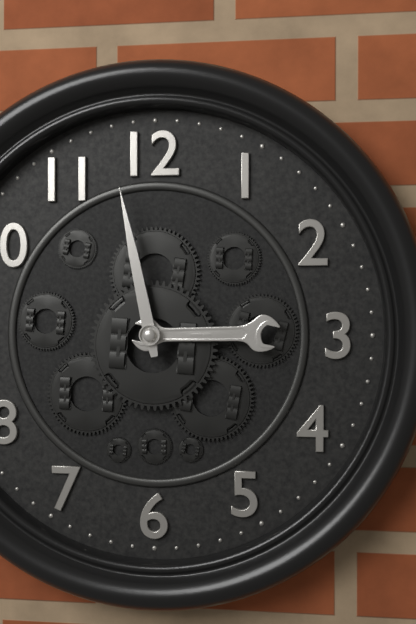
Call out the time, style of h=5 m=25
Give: h=2 m=58
